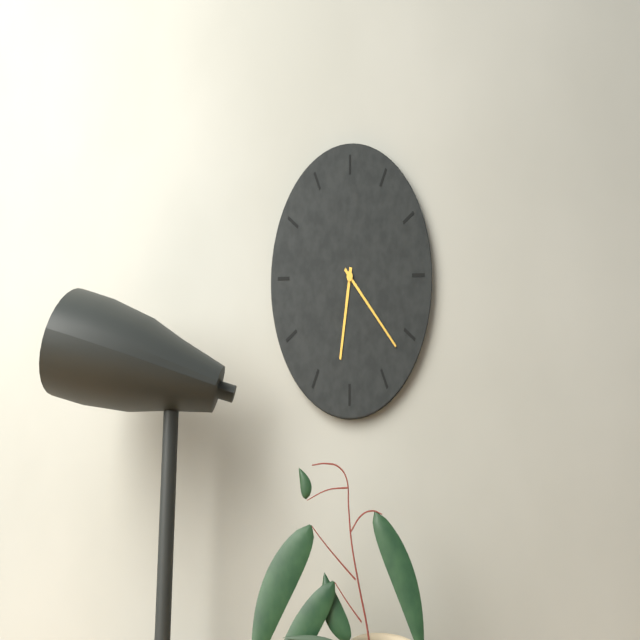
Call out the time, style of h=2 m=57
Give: h=6 m=22
